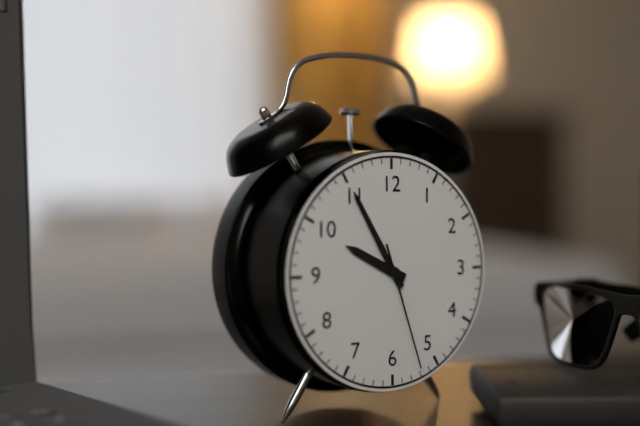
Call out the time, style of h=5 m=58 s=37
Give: h=9 m=55 s=27
